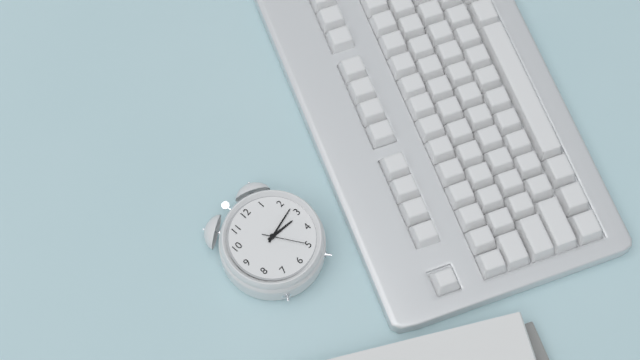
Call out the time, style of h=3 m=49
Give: h=3 m=13
